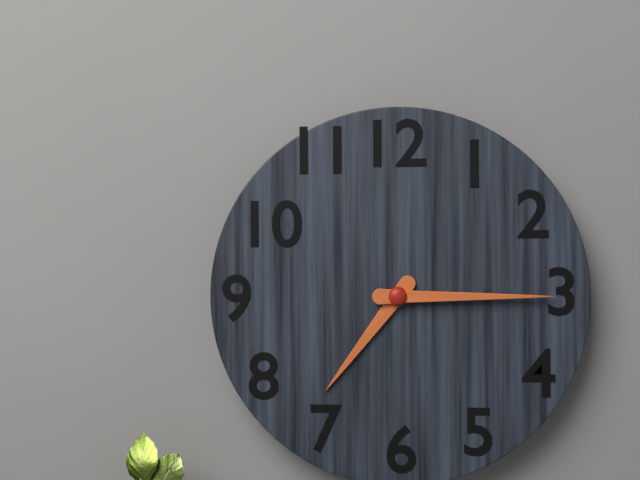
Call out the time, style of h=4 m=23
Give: h=7 m=15
